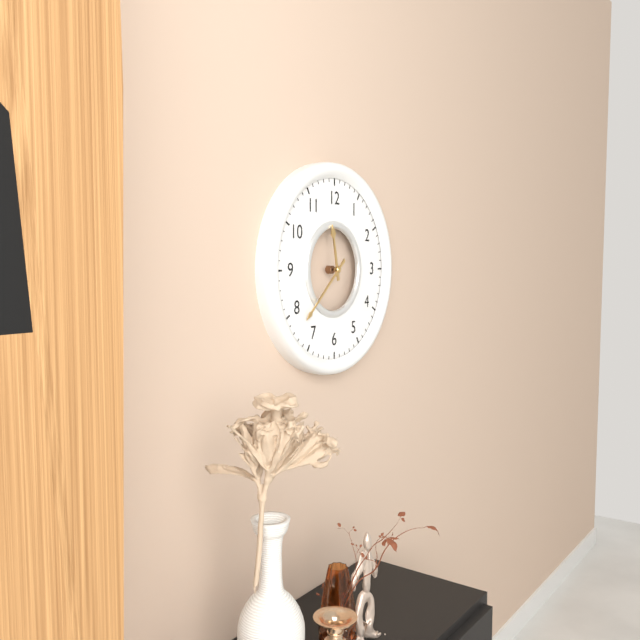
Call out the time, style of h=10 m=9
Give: h=11 m=38
